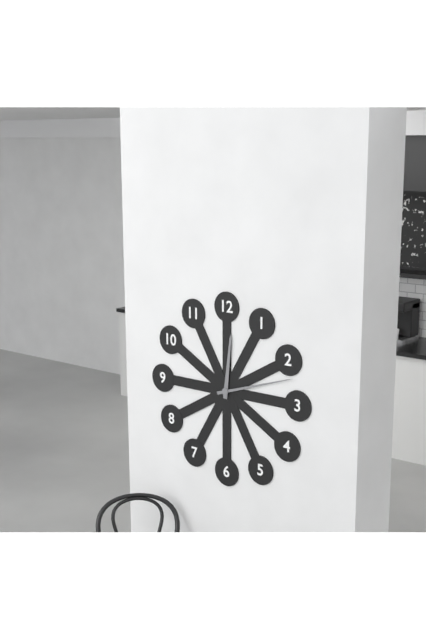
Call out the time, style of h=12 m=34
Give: h=12 m=12
